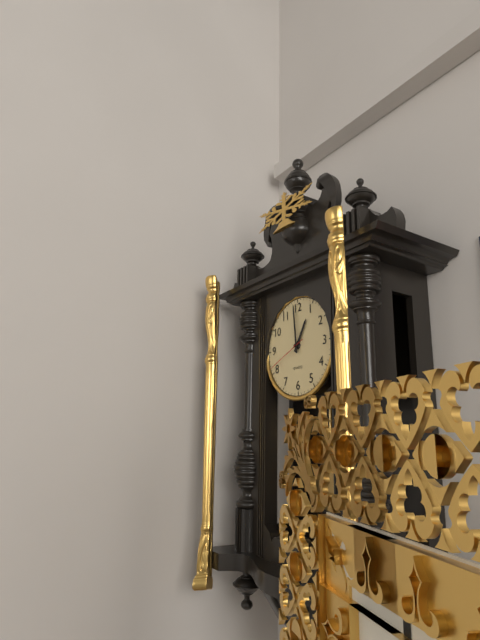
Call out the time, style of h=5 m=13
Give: h=12 m=59
